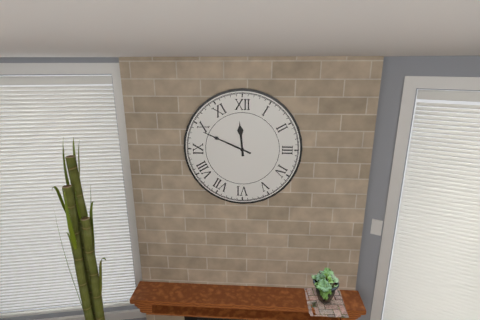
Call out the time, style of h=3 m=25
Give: h=11 m=49
